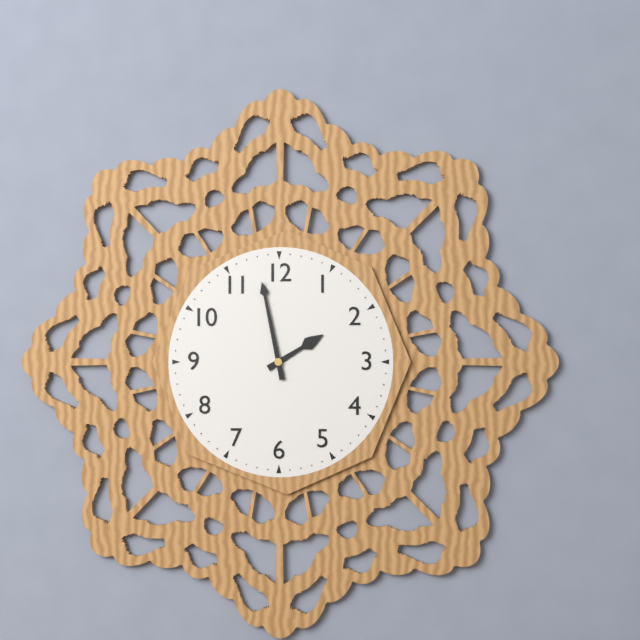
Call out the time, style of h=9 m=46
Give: h=1 m=58
